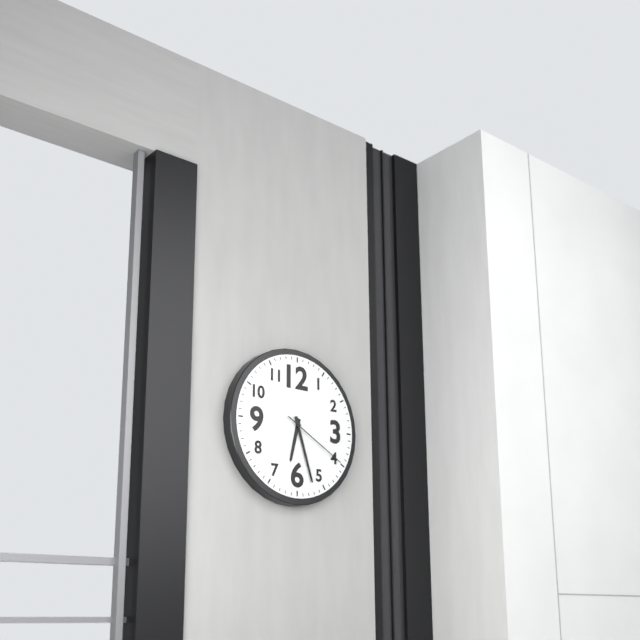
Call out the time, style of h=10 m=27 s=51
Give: h=6 m=27 s=20
